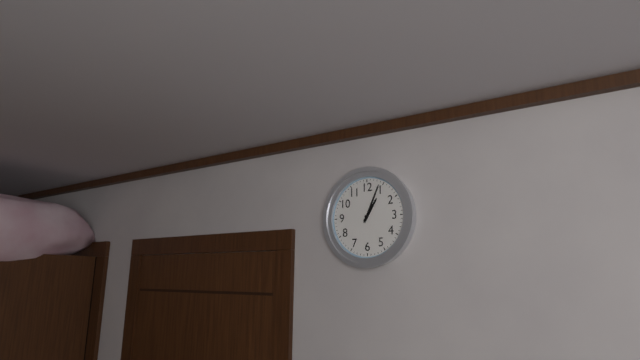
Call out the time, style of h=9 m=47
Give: h=1 m=4
